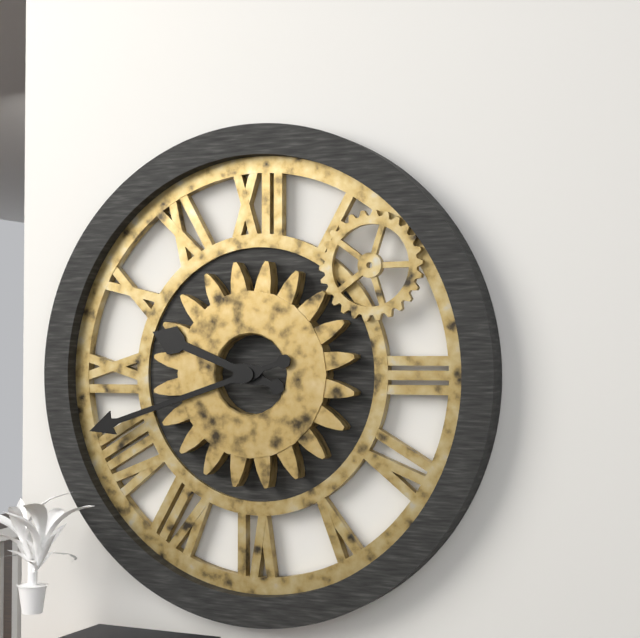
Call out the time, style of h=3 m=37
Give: h=9 m=42
